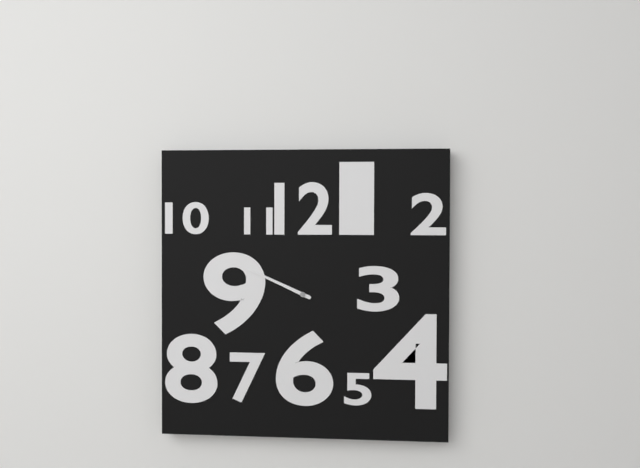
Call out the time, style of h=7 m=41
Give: h=9 m=49
